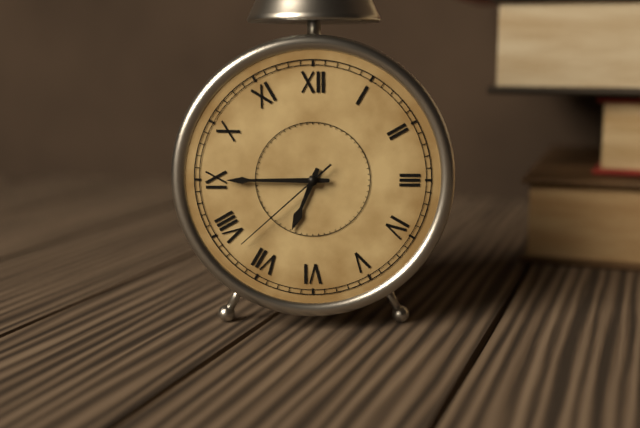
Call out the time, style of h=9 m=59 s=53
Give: h=6 m=45 s=38
